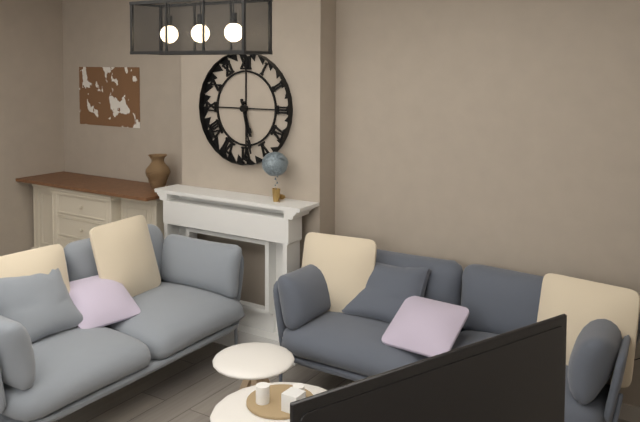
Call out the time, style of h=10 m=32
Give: h=5 m=28
